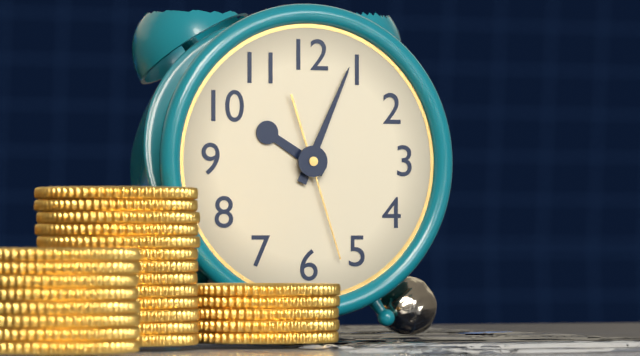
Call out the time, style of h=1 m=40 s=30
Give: h=10 m=4 s=27
